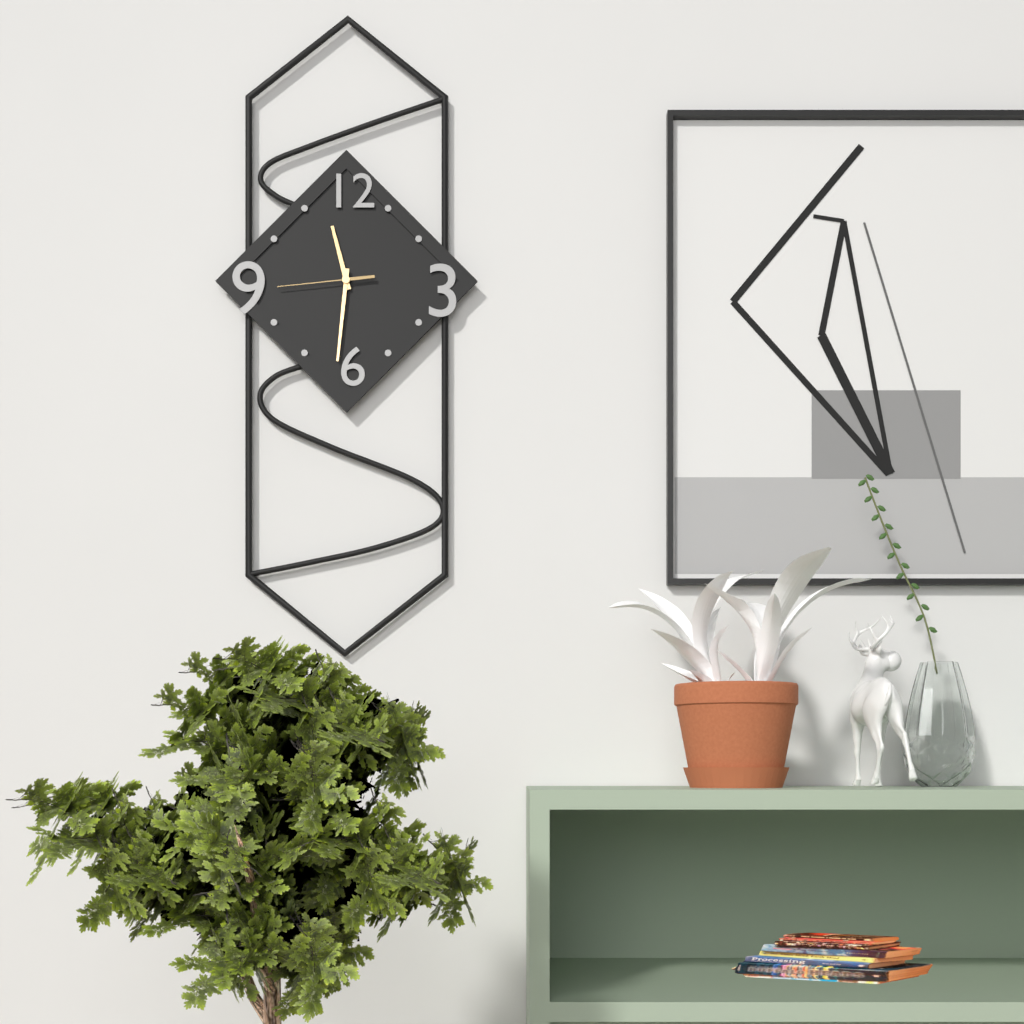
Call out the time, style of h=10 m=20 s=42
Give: h=11 m=31 s=44
